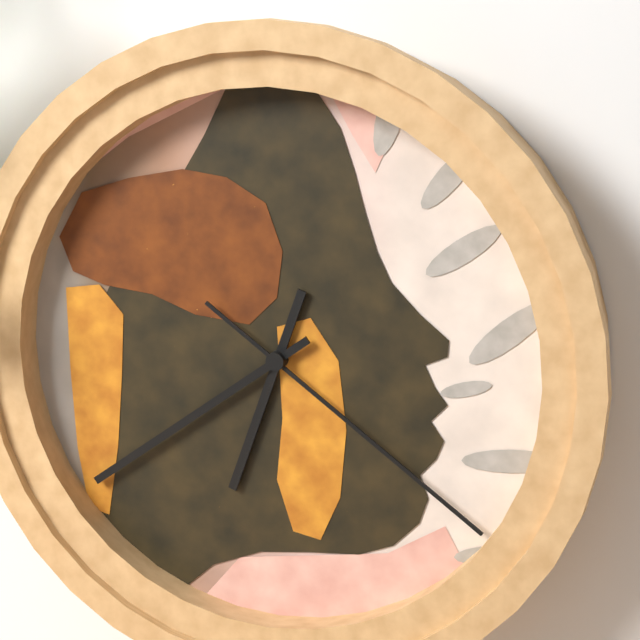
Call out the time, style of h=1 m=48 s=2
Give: h=6 m=39 s=21
